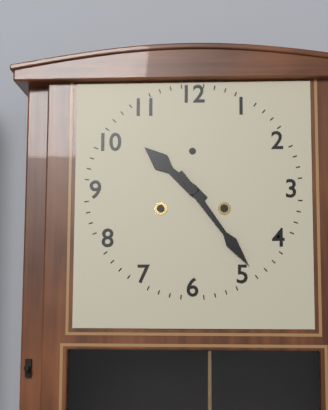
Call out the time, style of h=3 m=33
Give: h=10 m=24
